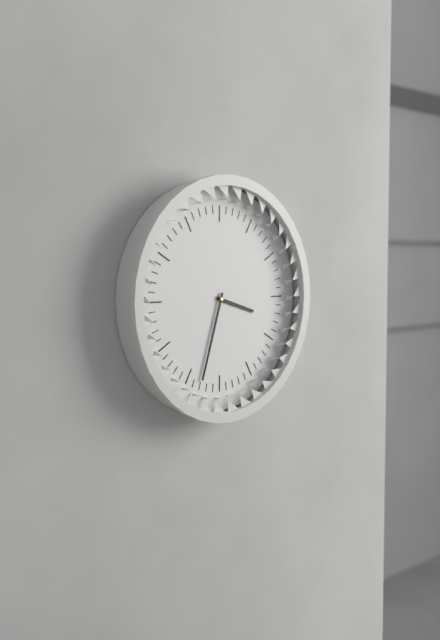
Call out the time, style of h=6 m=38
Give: h=3 m=33
